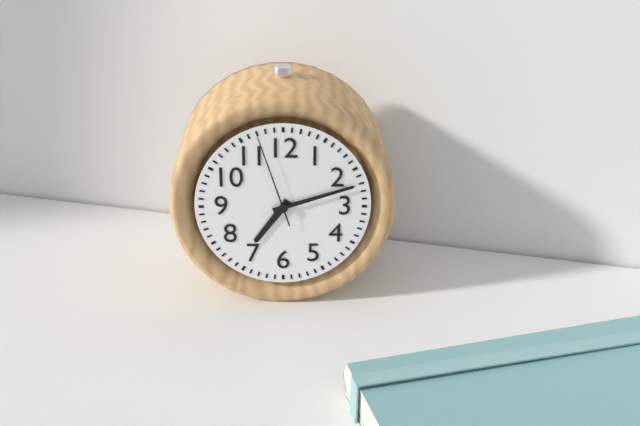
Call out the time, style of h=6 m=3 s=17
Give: h=7 m=12 s=57
